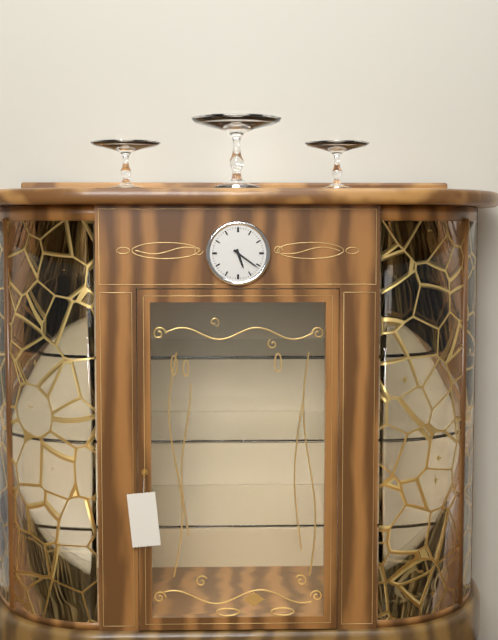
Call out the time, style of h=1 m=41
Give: h=5 m=21
